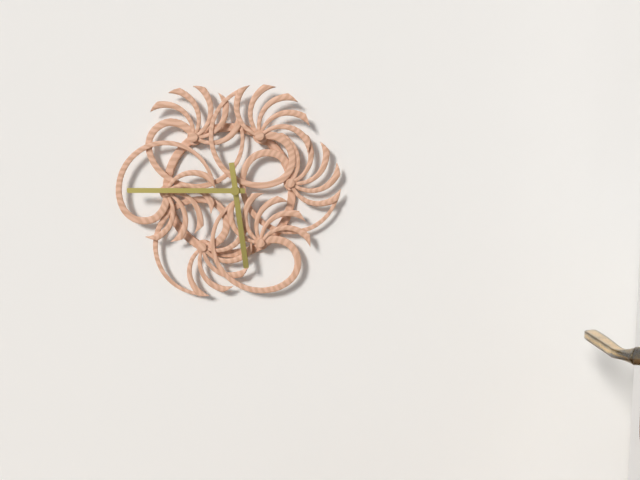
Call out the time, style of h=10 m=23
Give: h=5 m=45
